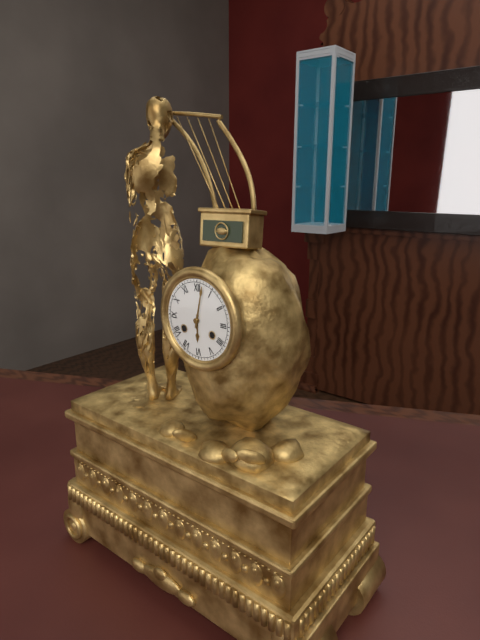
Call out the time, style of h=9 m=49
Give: h=6 m=2
